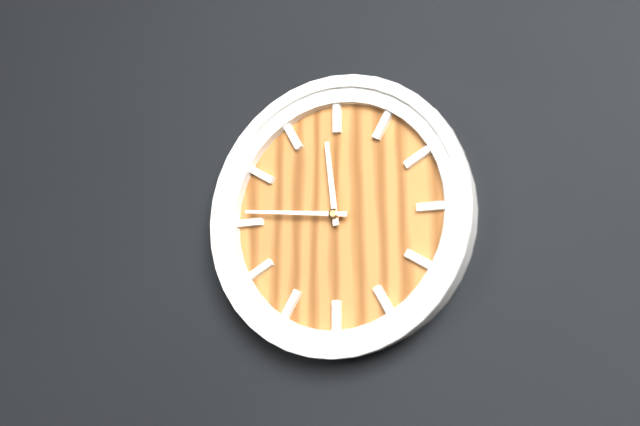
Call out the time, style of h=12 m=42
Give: h=11 m=46
